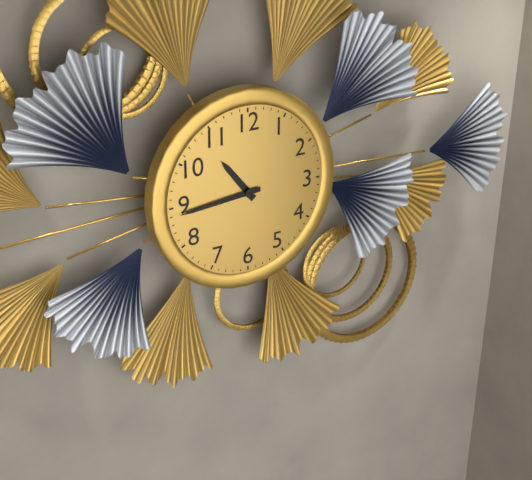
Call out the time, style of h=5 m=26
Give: h=10 m=44
